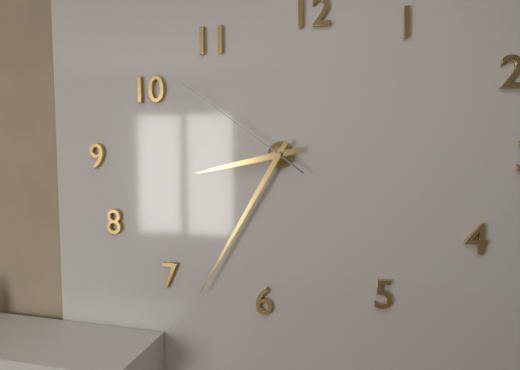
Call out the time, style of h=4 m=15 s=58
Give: h=8 m=35 s=51
